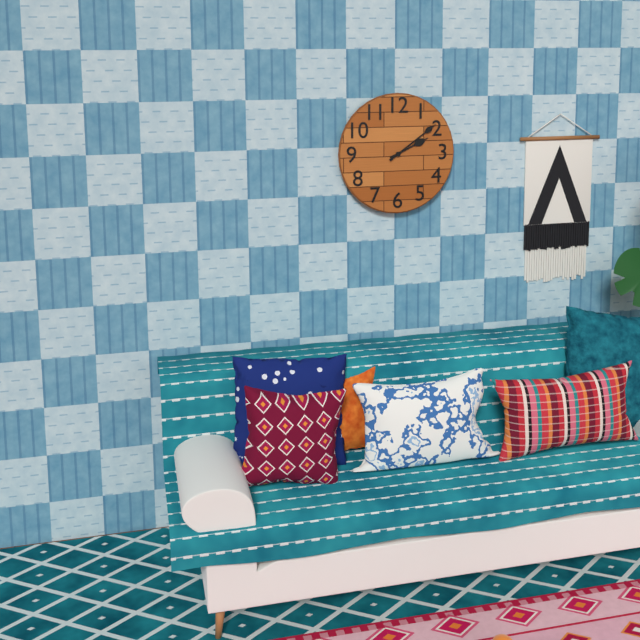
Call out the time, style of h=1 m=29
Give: h=2 m=9
